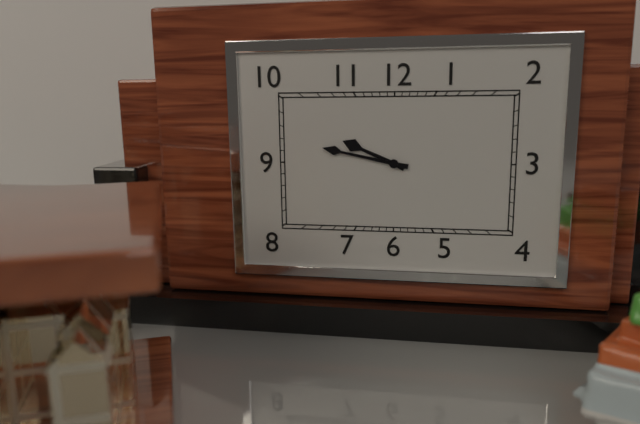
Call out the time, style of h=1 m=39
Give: h=9 m=47
